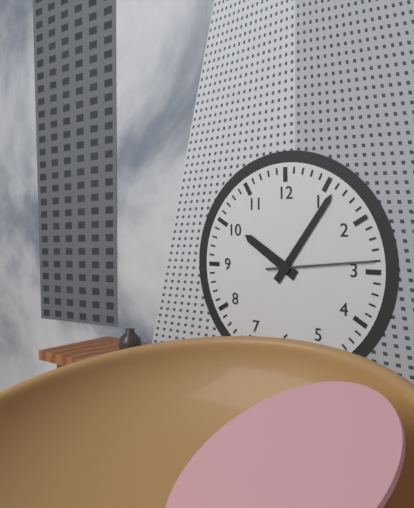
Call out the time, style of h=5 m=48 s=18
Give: h=10 m=6 s=14
